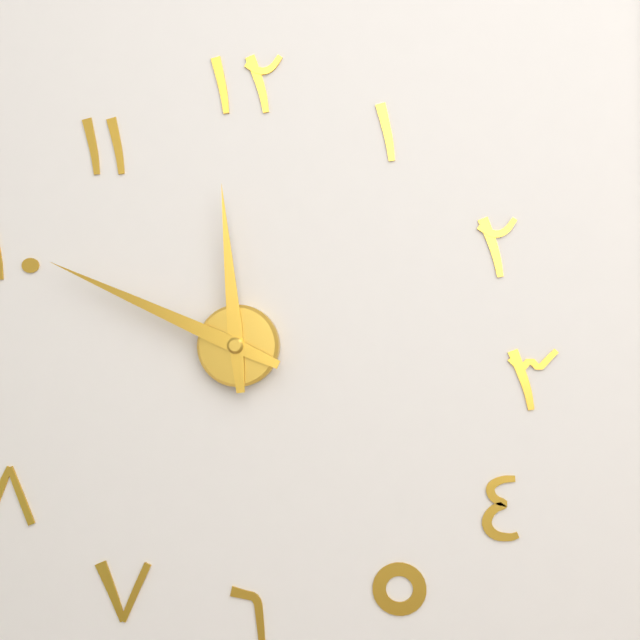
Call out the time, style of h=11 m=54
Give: h=11 m=49
